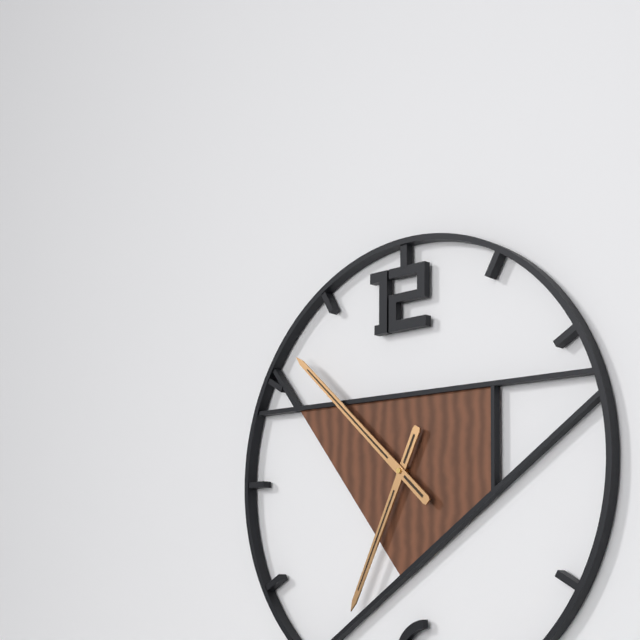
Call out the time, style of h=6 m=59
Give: h=6 m=52
